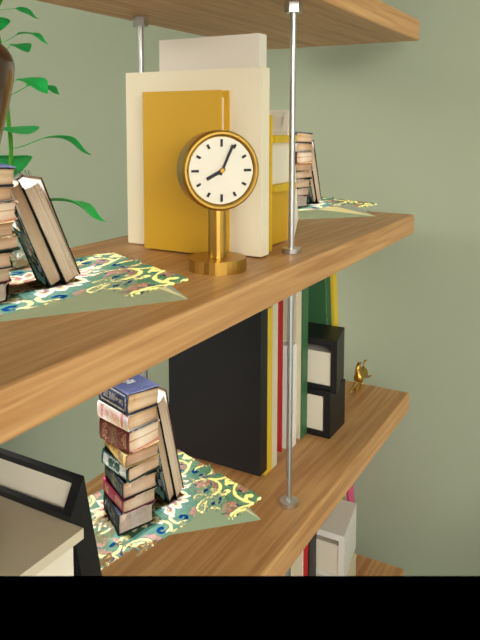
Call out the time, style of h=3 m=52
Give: h=8 m=4
